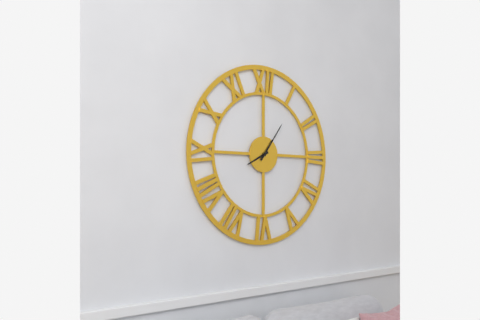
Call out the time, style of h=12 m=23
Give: h=8 m=6
